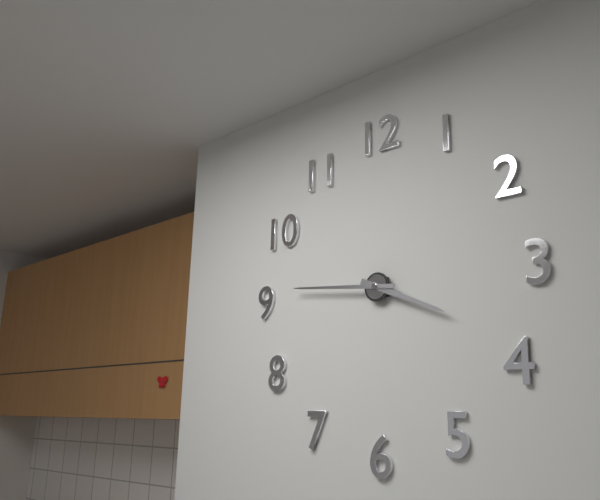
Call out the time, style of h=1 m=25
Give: h=3 m=46
